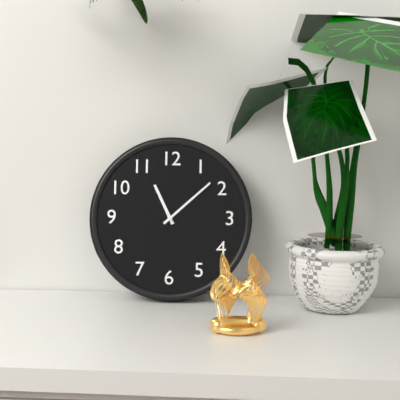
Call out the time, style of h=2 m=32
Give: h=11 m=8
